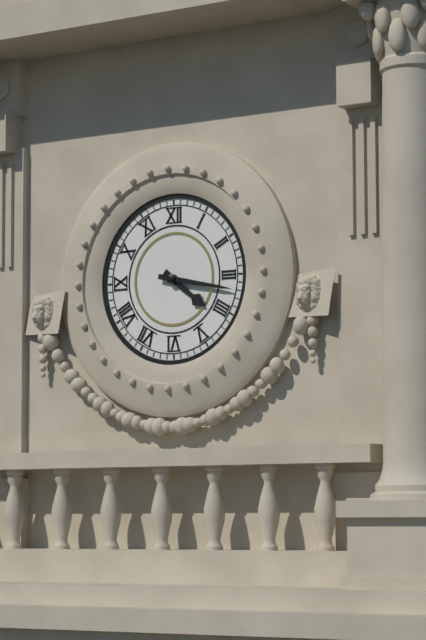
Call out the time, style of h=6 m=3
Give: h=4 m=17
